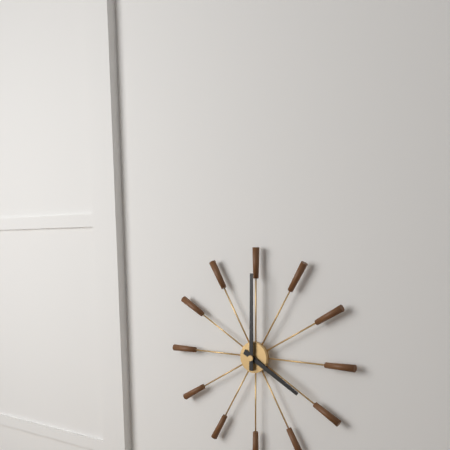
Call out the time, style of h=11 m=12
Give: h=4 m=0
